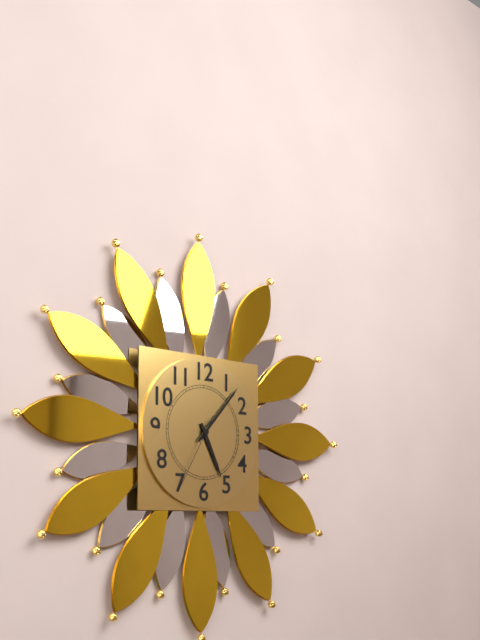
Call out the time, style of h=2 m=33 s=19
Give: h=5 m=7 s=35
